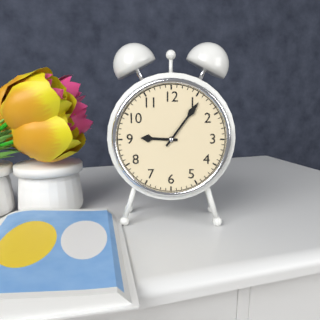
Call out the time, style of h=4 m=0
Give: h=9 m=6
